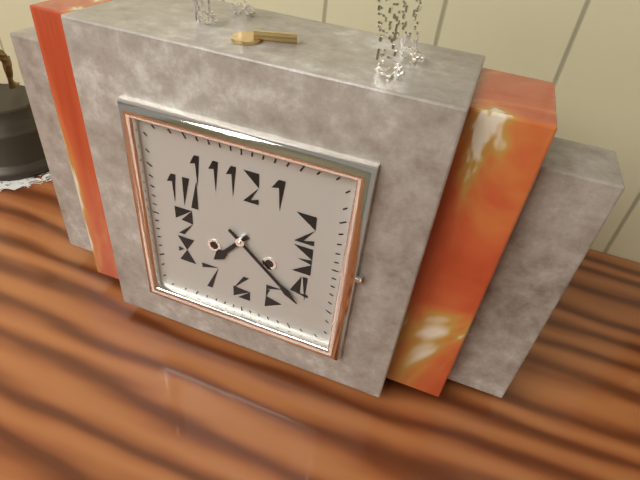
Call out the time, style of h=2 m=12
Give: h=7 m=22
